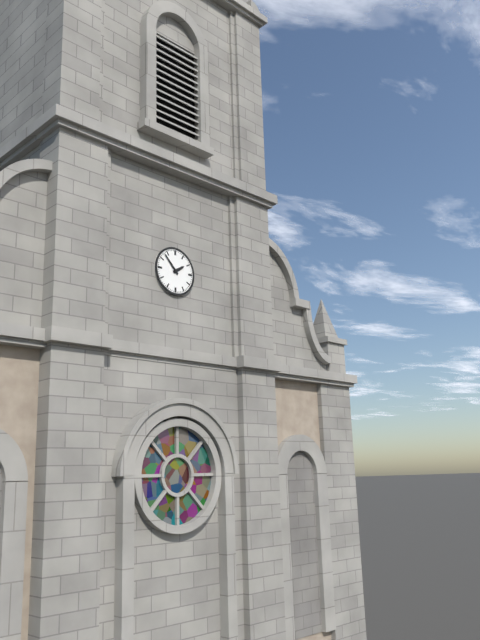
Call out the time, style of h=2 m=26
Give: h=1 m=53
